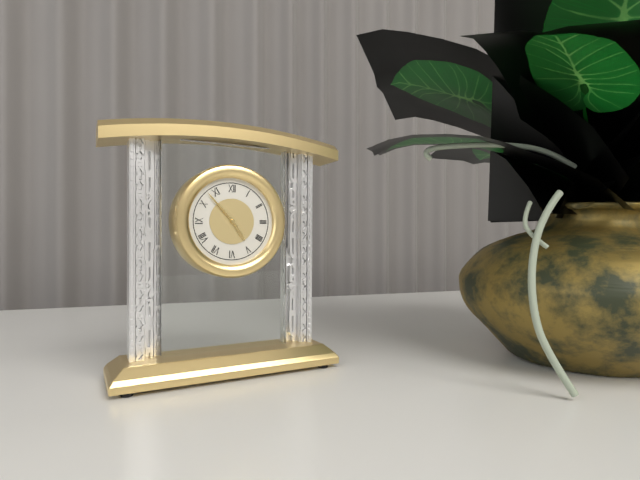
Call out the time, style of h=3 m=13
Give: h=4 m=53
